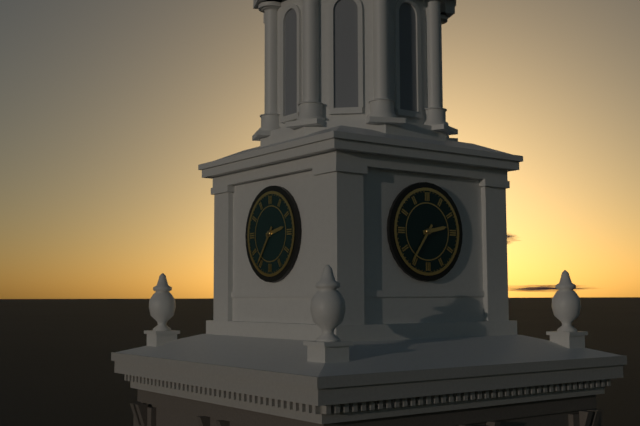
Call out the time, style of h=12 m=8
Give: h=2 m=36
